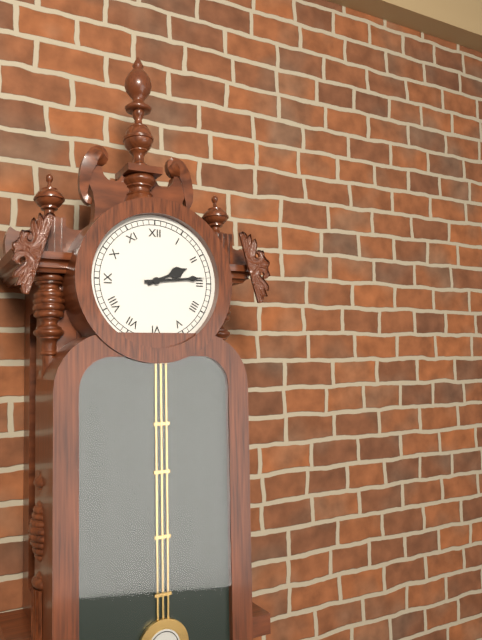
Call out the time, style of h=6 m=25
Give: h=2 m=14
